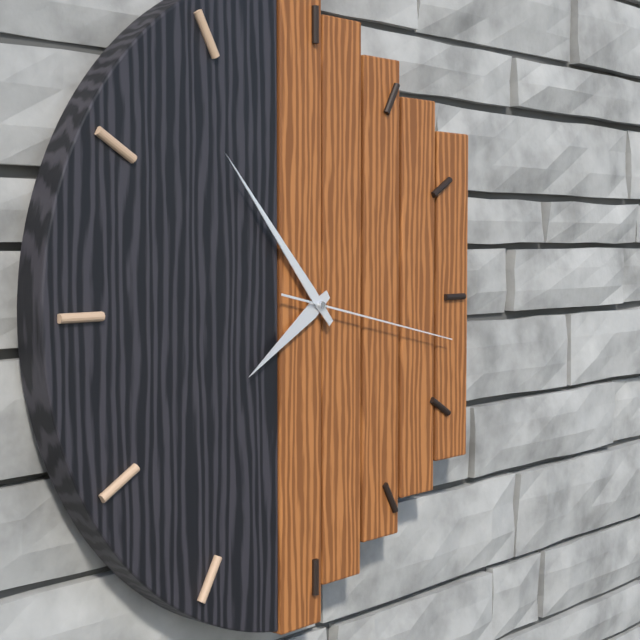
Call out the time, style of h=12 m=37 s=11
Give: h=7 m=53 s=17
